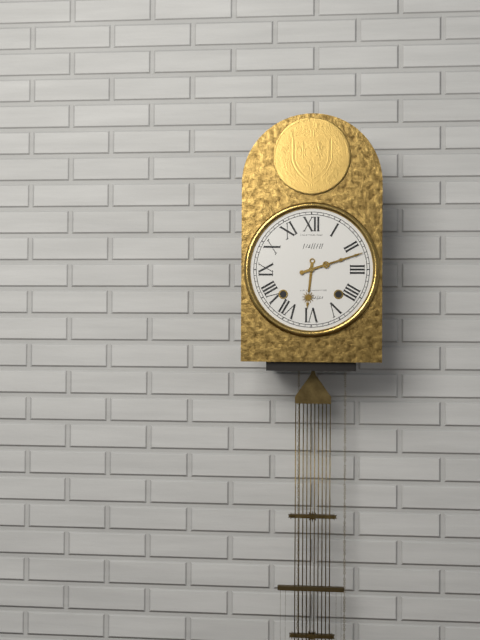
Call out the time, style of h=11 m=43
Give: h=6 m=12
